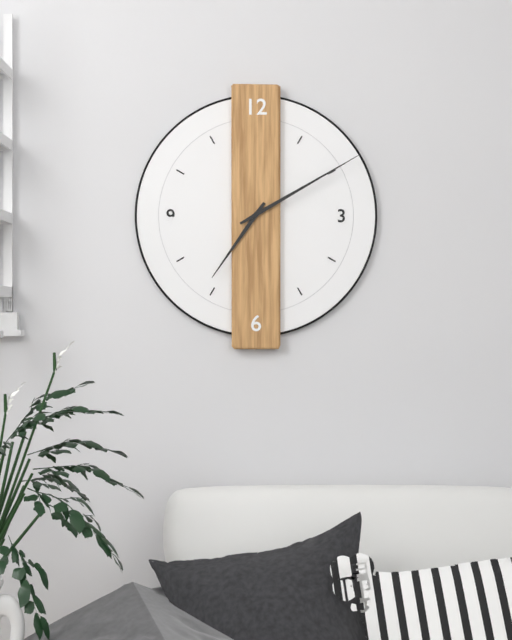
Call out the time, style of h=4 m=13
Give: h=7 m=10
